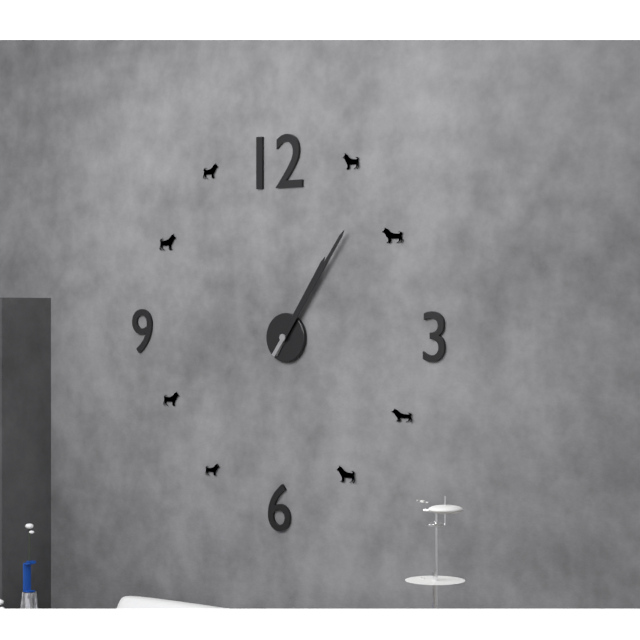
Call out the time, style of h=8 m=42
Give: h=1 m=6
